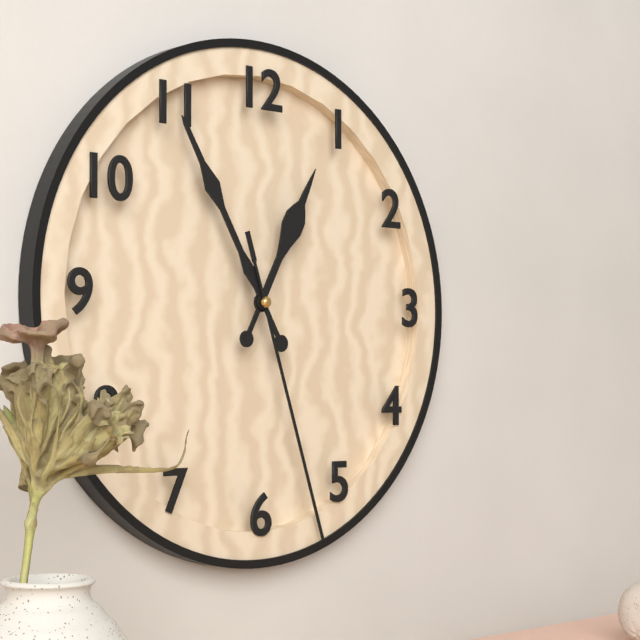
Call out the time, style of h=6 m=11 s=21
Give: h=12 m=55 s=27
